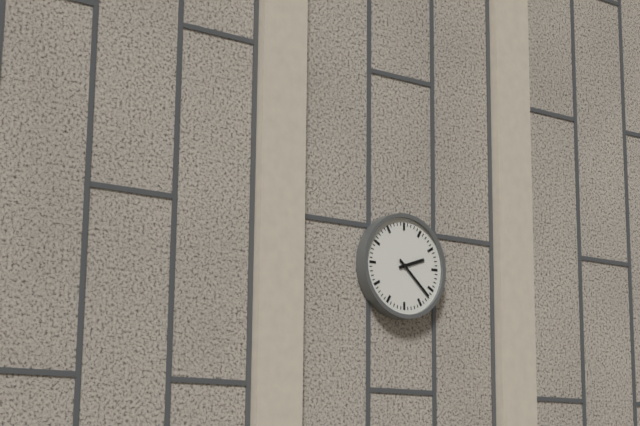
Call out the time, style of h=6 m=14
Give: h=2 m=22
